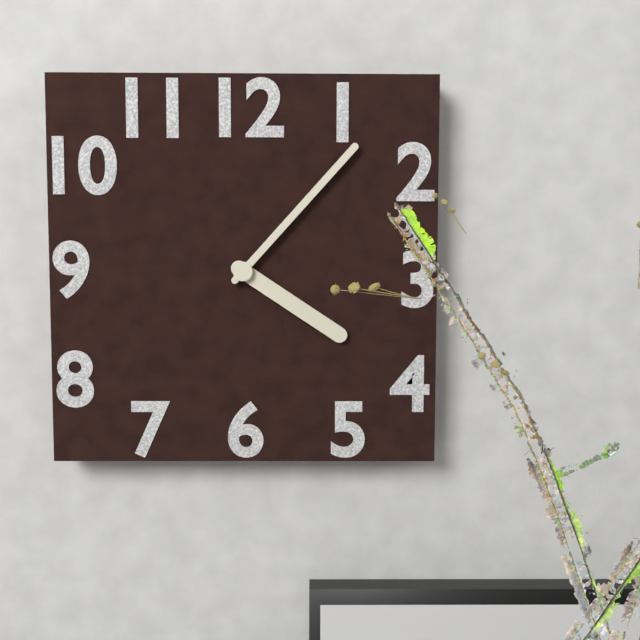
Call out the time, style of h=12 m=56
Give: h=4 m=7
